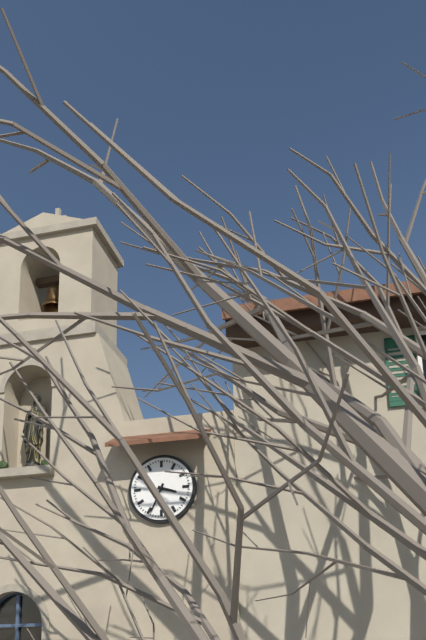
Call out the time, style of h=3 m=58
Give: h=3 m=34
